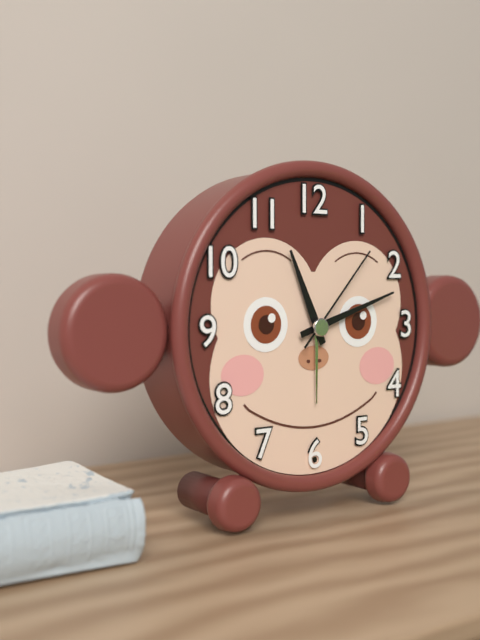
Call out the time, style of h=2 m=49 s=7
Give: h=11 m=12 s=7
